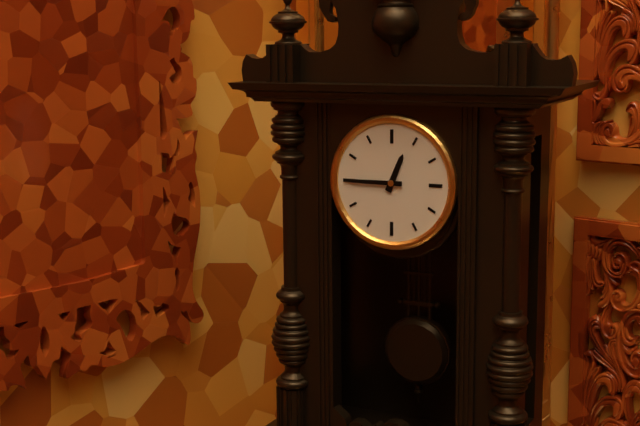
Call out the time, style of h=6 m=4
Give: h=12 m=45
